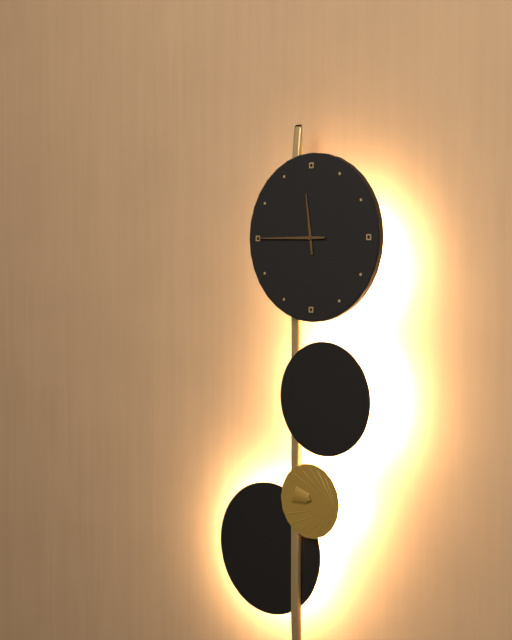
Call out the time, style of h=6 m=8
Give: h=11 m=45
